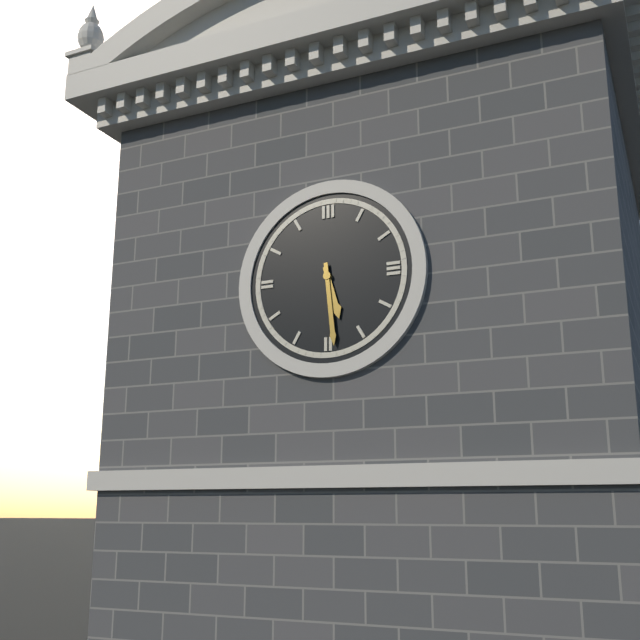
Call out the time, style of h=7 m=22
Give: h=5 m=29
